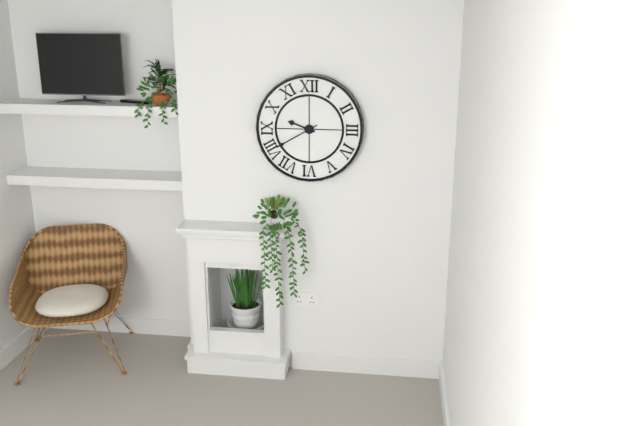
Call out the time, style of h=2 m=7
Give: h=9 m=40
